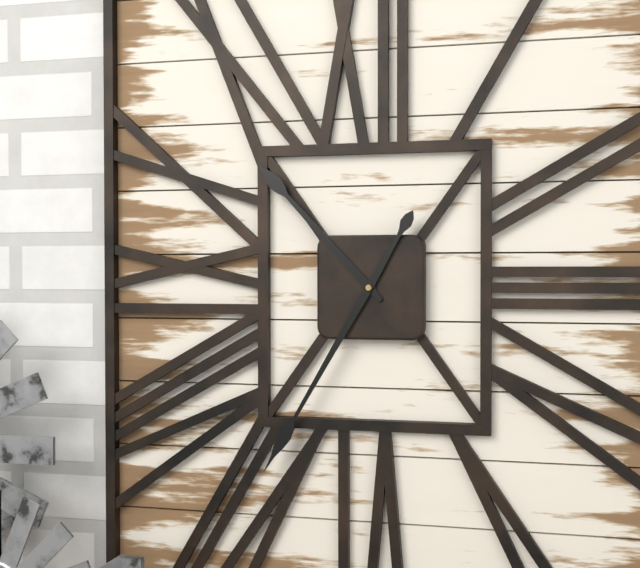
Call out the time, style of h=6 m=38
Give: h=10 m=35
